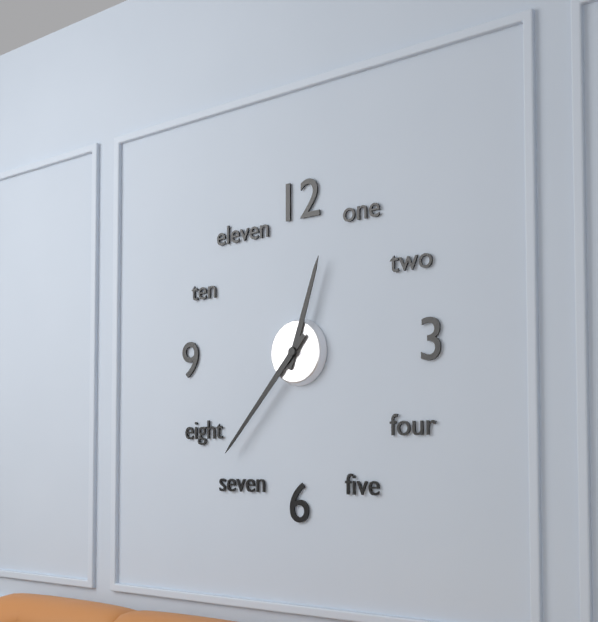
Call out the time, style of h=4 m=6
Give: h=12 m=37
